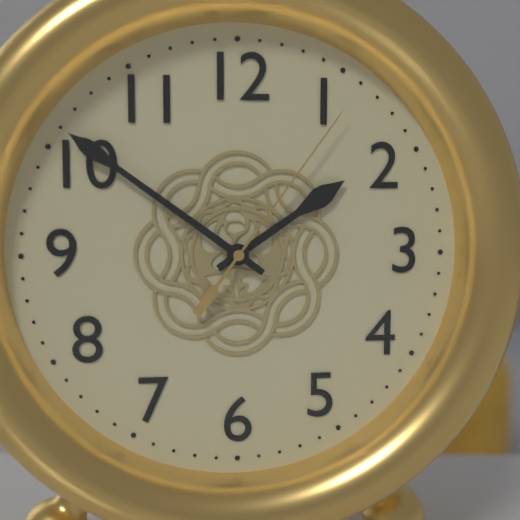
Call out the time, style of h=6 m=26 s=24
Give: h=1 m=51 s=6
